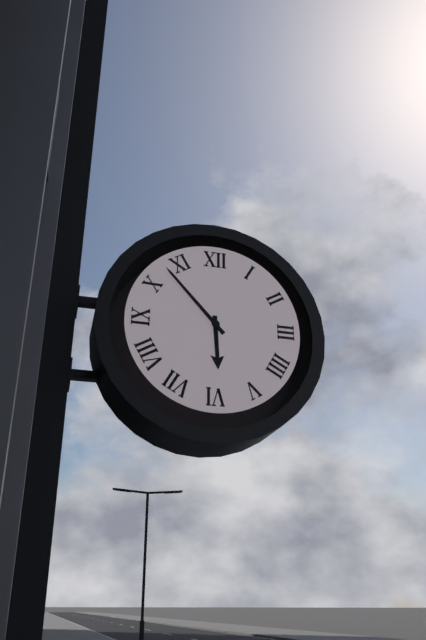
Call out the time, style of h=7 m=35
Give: h=5 m=53
